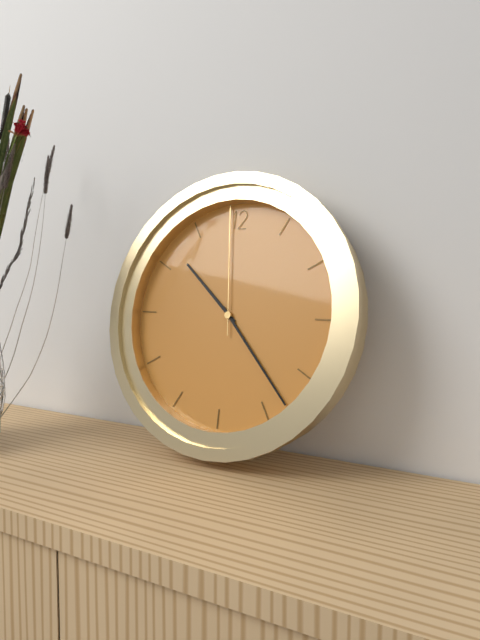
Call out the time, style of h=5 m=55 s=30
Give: h=10 m=23 s=59
